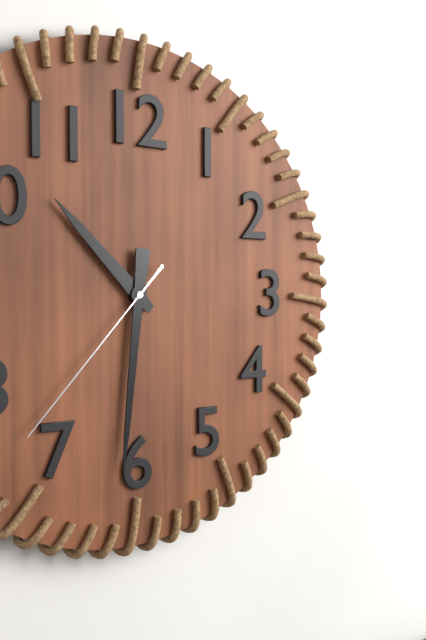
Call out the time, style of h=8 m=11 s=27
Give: h=10 m=31 s=37
